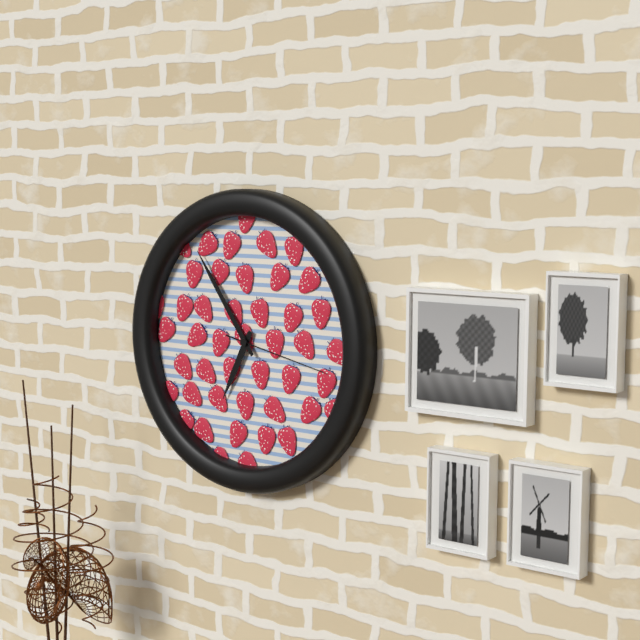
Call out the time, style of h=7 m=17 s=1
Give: h=6 m=54 s=17
